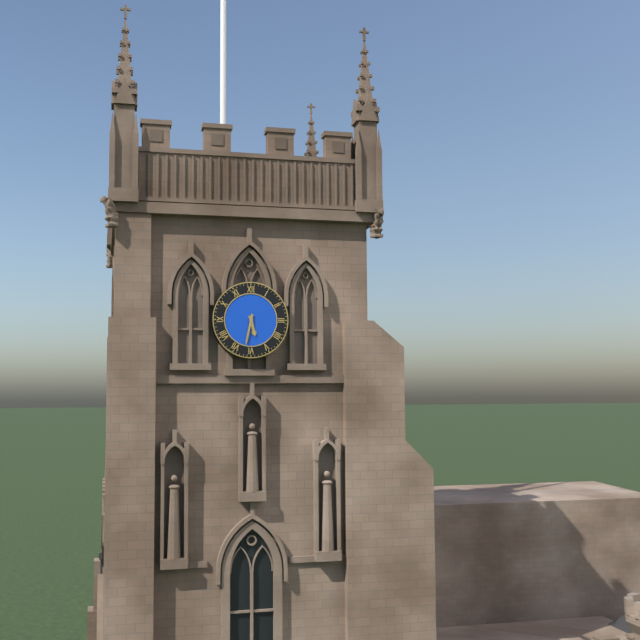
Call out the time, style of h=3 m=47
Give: h=5 m=32
